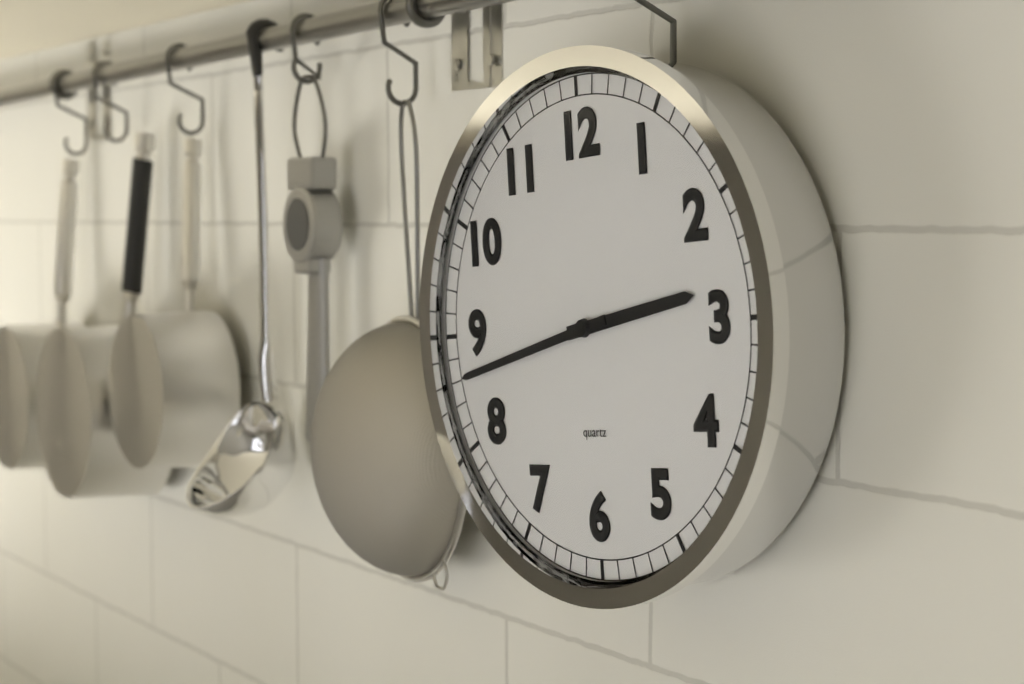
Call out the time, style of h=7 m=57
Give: h=2 m=43
